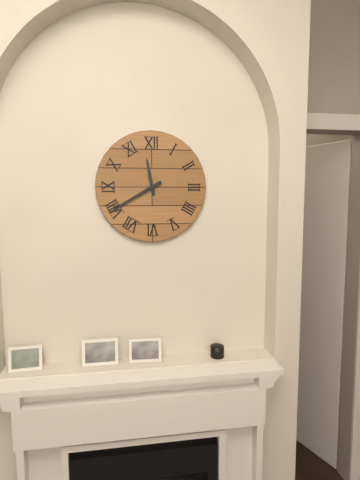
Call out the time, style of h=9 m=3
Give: h=11 m=40
